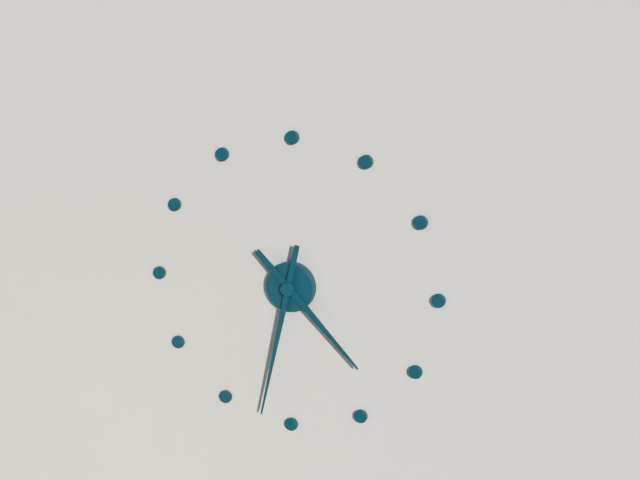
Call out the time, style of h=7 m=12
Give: h=4 m=32
